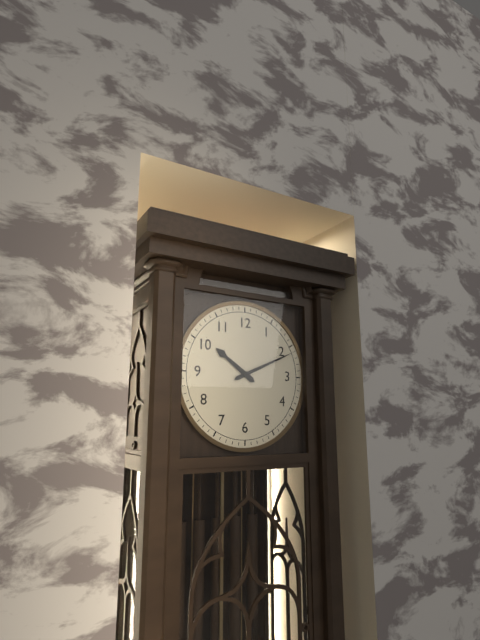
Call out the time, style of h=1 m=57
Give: h=10 m=11
